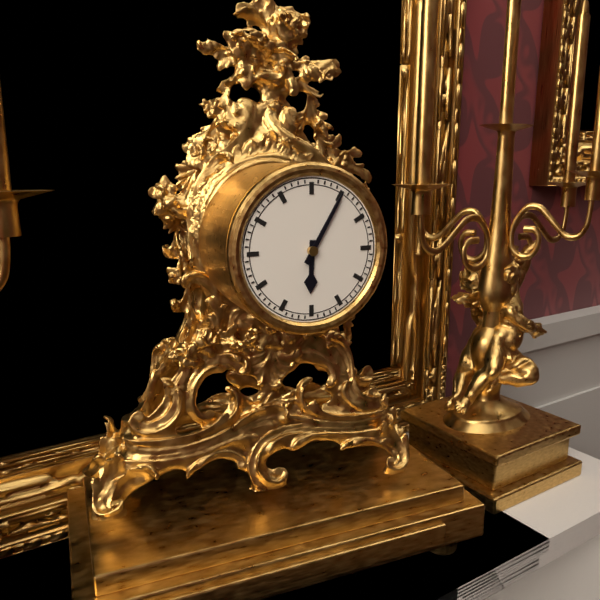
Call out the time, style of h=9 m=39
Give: h=6 m=5
